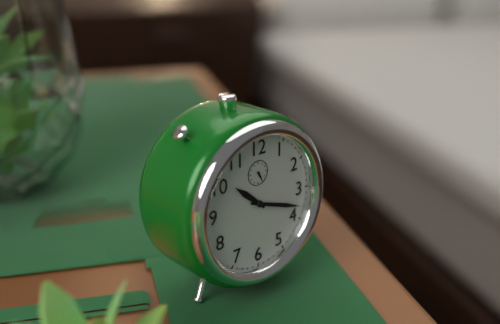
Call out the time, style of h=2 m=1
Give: h=10 m=18
